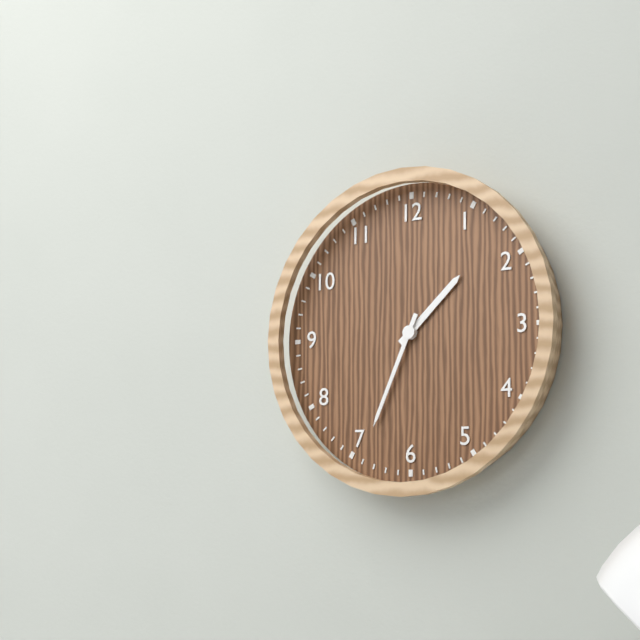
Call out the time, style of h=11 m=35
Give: h=1 m=34
